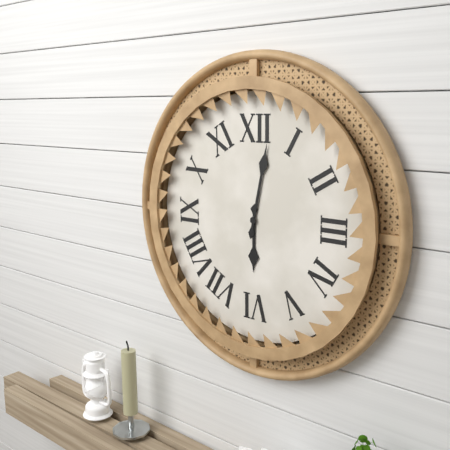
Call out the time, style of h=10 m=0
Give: h=6 m=2
